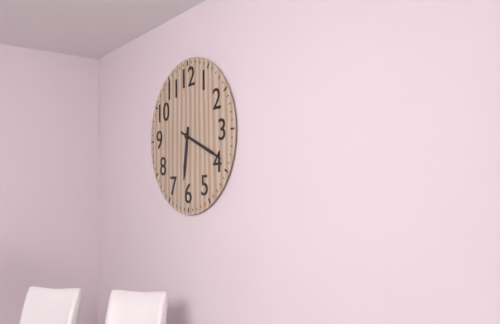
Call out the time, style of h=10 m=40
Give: h=6 m=19
